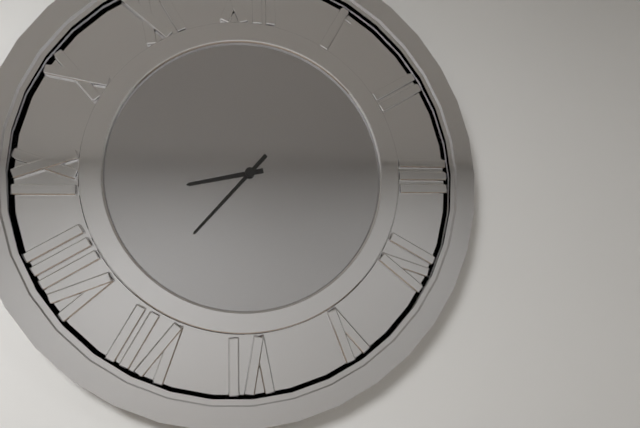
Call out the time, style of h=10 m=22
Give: h=8 m=37
